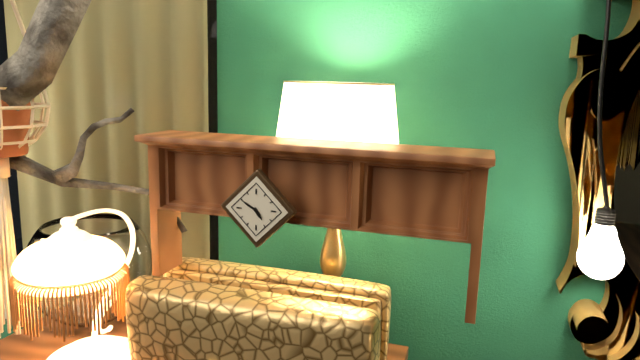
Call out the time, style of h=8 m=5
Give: h=4 m=50
